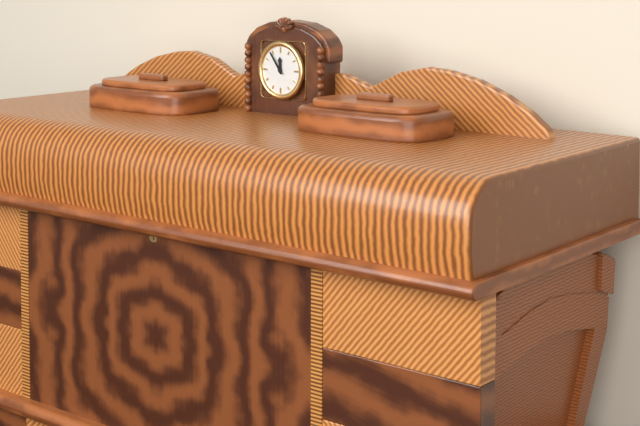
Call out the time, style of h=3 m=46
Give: h=11 m=54
